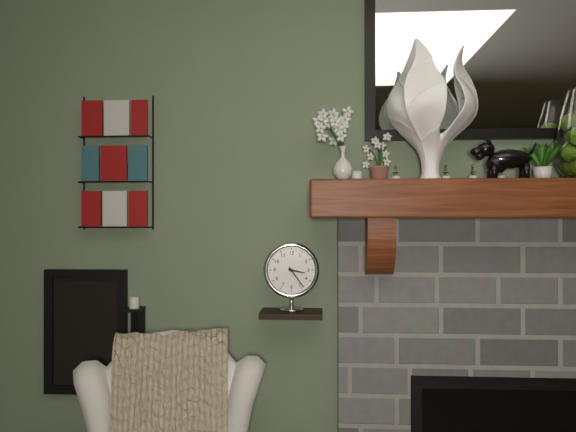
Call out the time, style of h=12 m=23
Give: h=3 m=24
